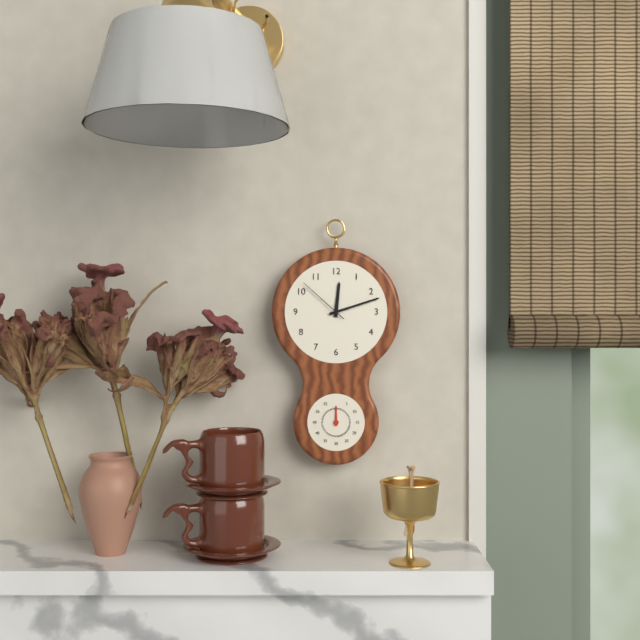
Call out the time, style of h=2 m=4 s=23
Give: h=12 m=12 s=52
